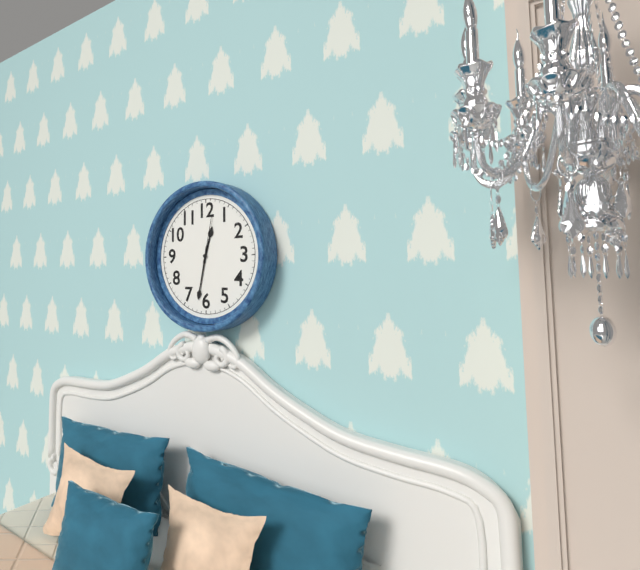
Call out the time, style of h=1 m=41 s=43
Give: h=12 m=32 s=2
